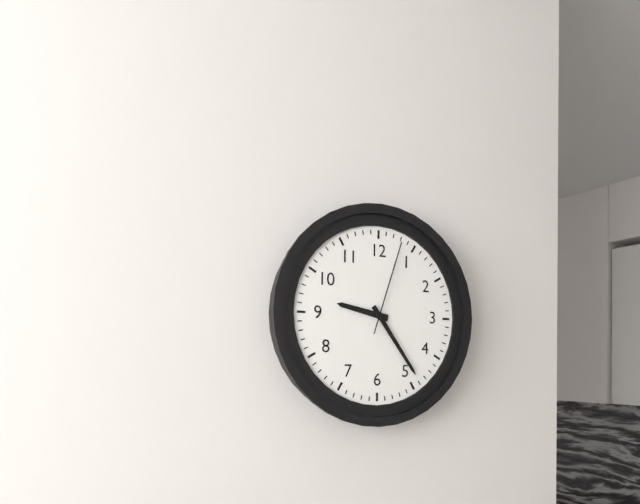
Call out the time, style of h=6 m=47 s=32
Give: h=9 m=24 s=3
